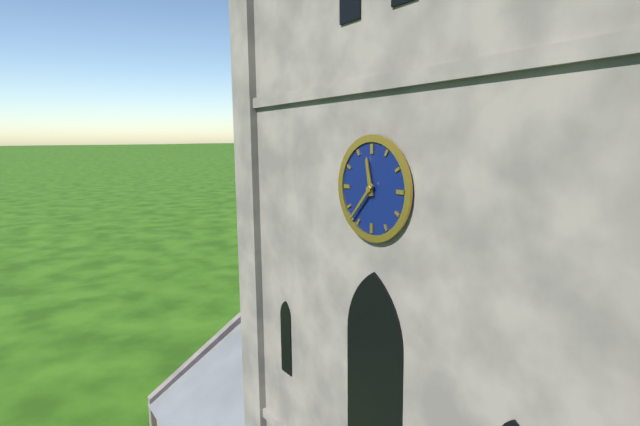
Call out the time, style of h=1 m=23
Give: h=11 m=37
